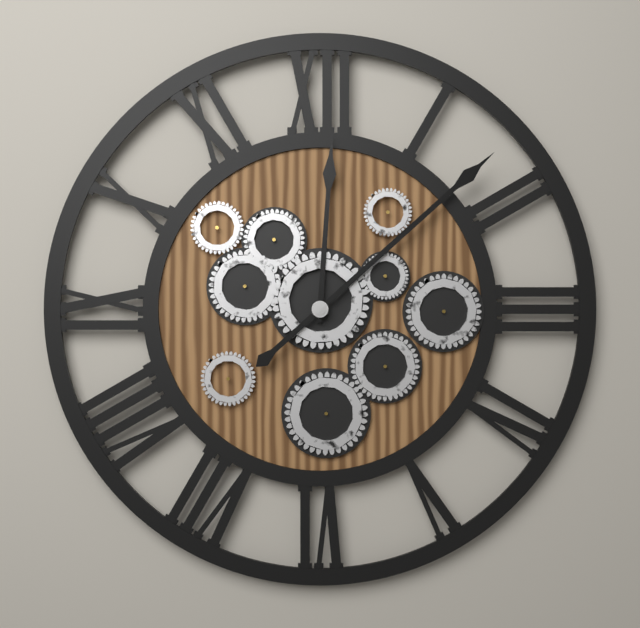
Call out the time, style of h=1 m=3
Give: h=12 m=8
